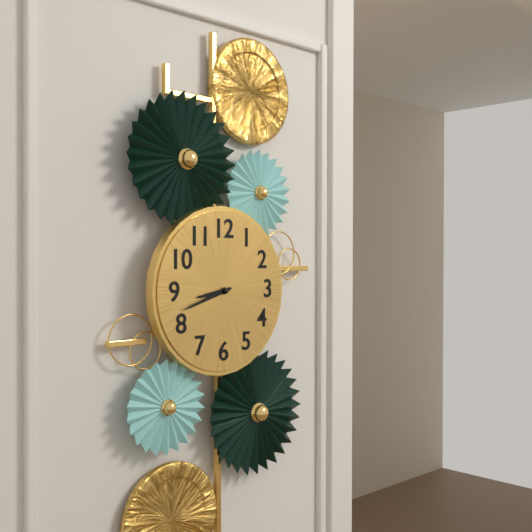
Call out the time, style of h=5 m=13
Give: h=8 m=42
